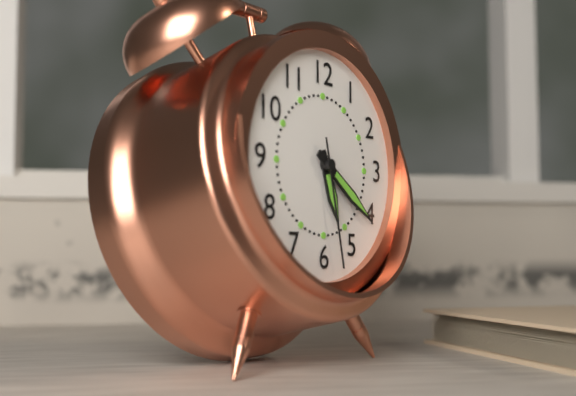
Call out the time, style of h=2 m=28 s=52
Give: h=5 m=21 s=28
